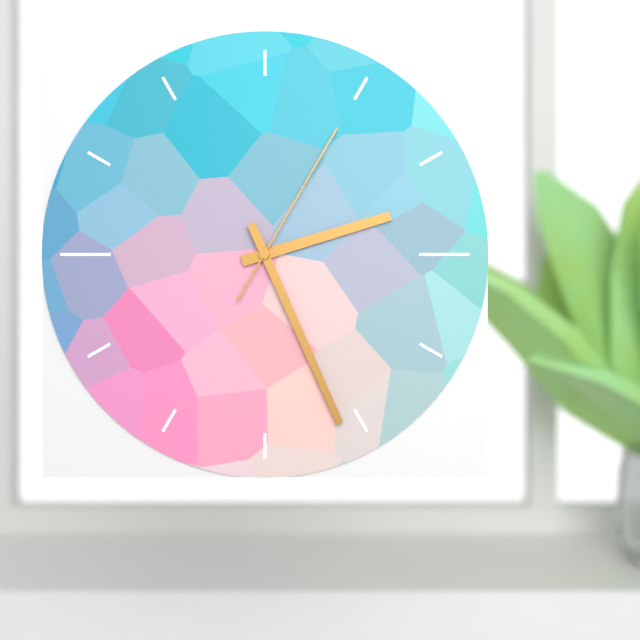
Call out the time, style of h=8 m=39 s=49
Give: h=2 m=26 s=5
